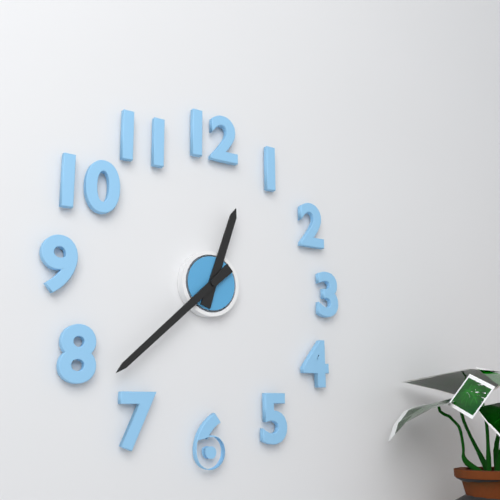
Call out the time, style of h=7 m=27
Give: h=12 m=38
